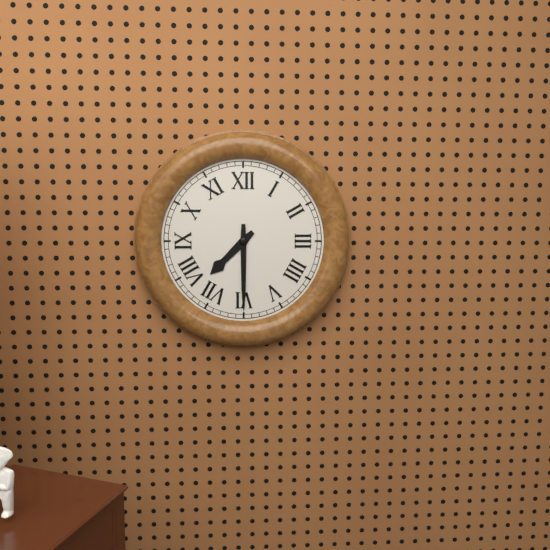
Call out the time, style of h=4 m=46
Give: h=7 m=30
